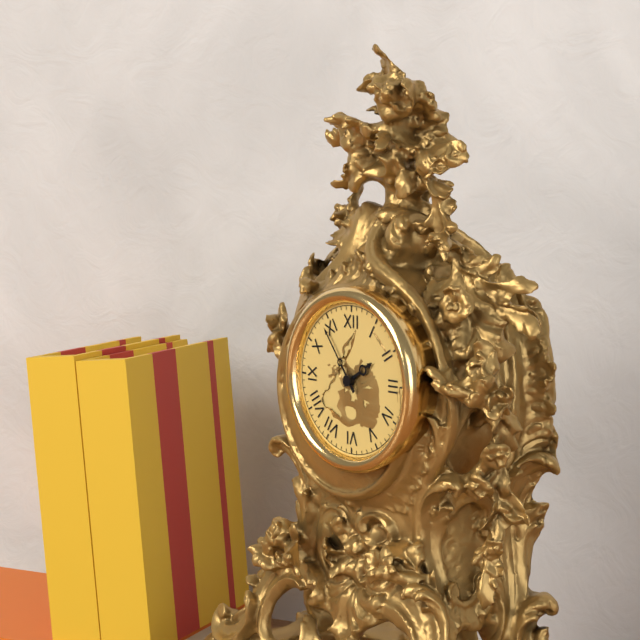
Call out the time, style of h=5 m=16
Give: h=1 m=54
